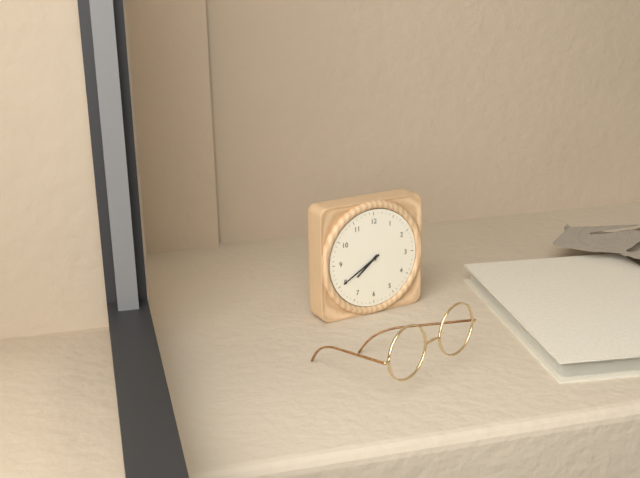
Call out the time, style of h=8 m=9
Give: h=7 m=40
